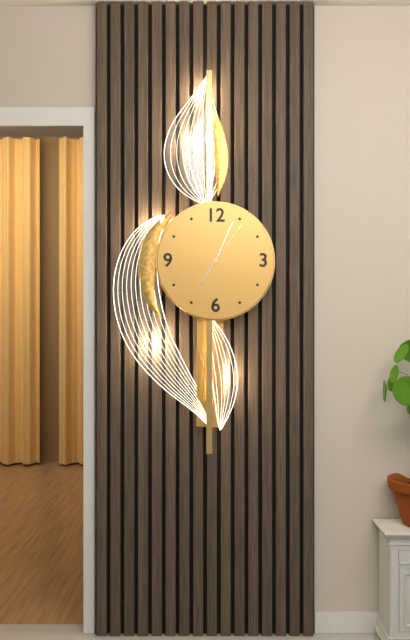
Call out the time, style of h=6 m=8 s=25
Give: h=7 m=4 s=6
